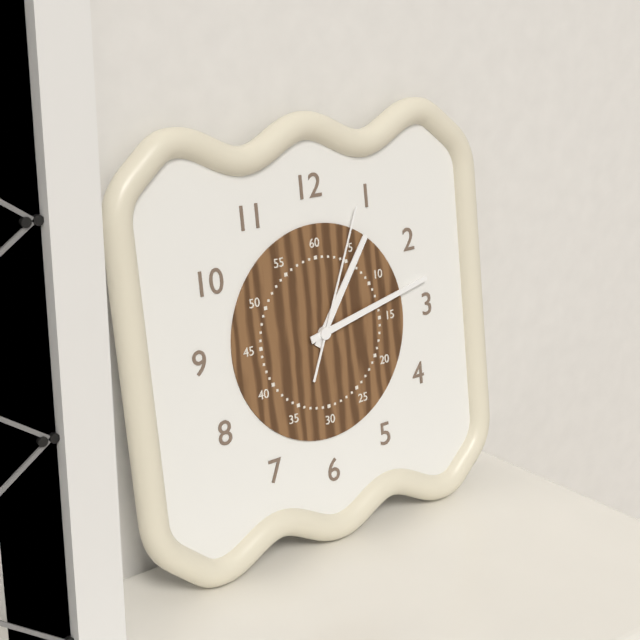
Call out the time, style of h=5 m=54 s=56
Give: h=1 m=13 s=4
